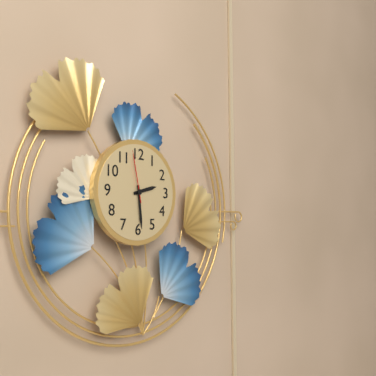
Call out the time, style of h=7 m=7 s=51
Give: h=2 m=29 s=58
